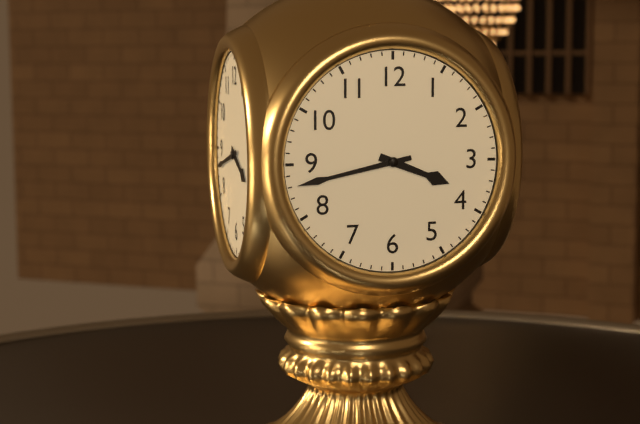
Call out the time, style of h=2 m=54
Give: h=3 m=43
